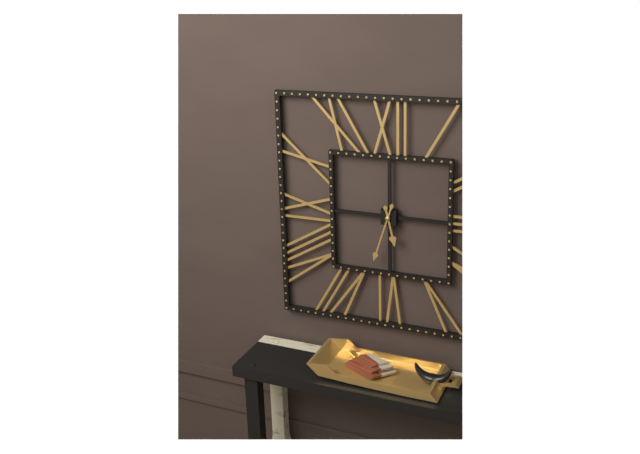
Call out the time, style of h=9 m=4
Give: h=5 m=33
